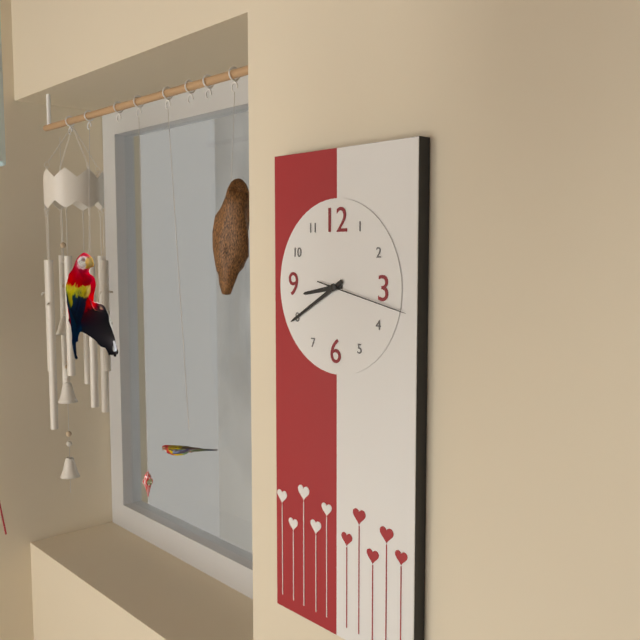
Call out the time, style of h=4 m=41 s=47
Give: h=8 m=40 s=17
